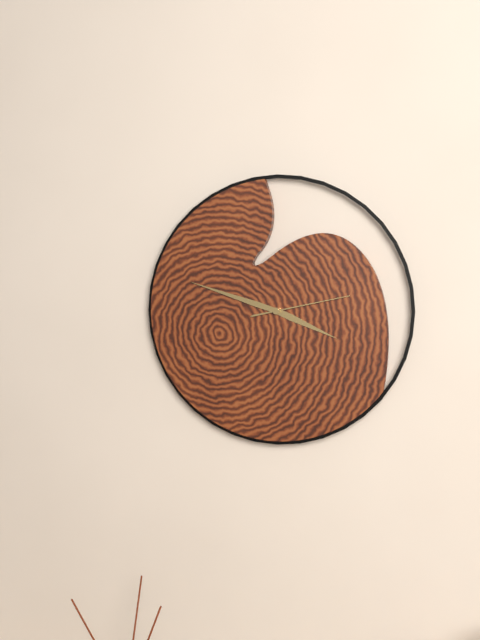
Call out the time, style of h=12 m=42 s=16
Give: h=3 m=48 s=13
